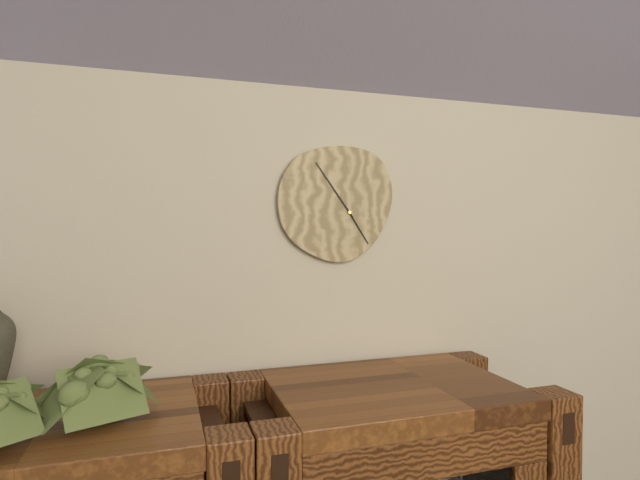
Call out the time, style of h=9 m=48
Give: h=4 m=54
